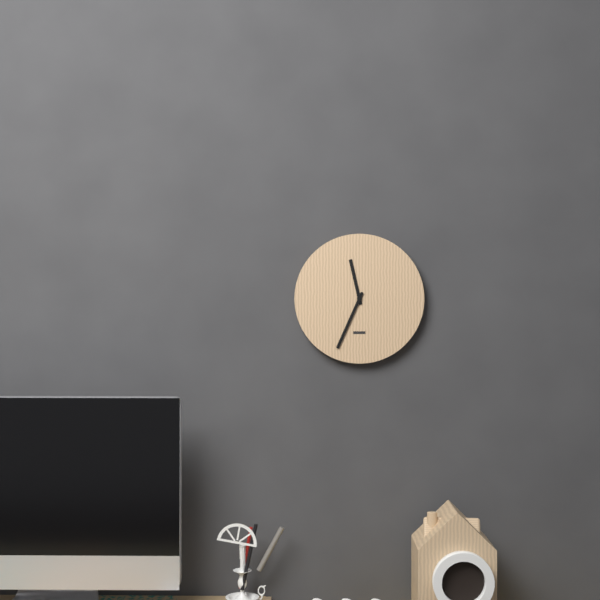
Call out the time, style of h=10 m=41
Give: h=11 m=34
